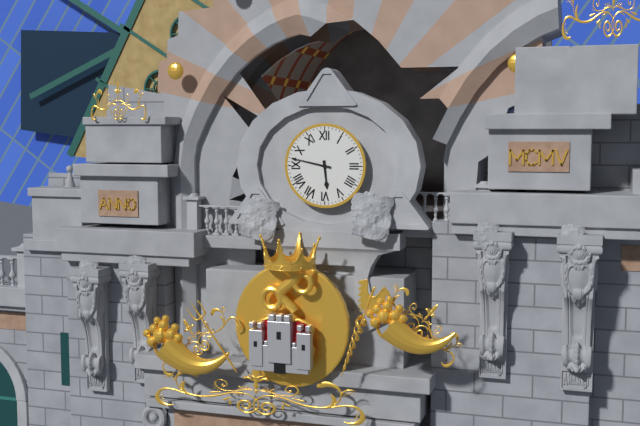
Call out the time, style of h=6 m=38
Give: h=5 m=47
